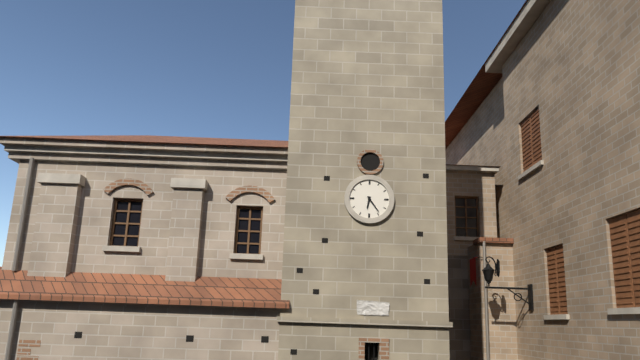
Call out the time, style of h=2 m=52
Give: h=6 m=24
